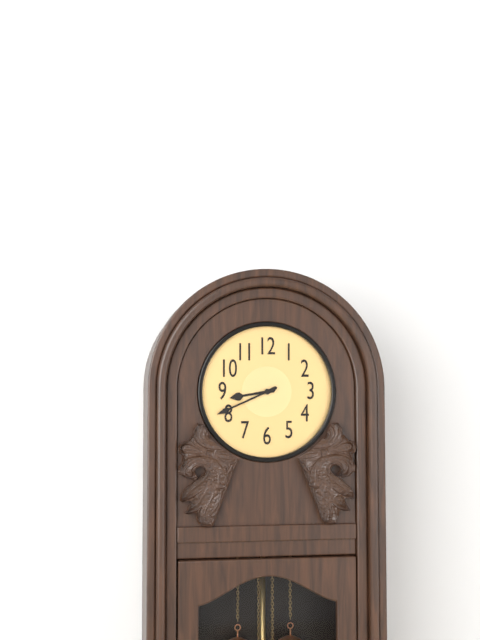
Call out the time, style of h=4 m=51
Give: h=8 m=41
